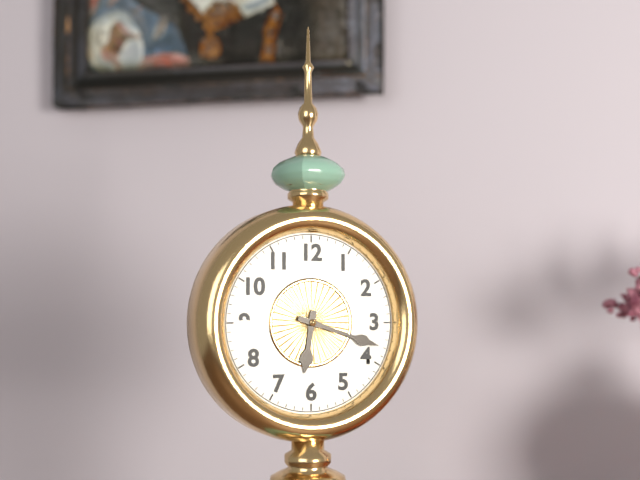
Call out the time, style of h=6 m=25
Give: h=6 m=18
